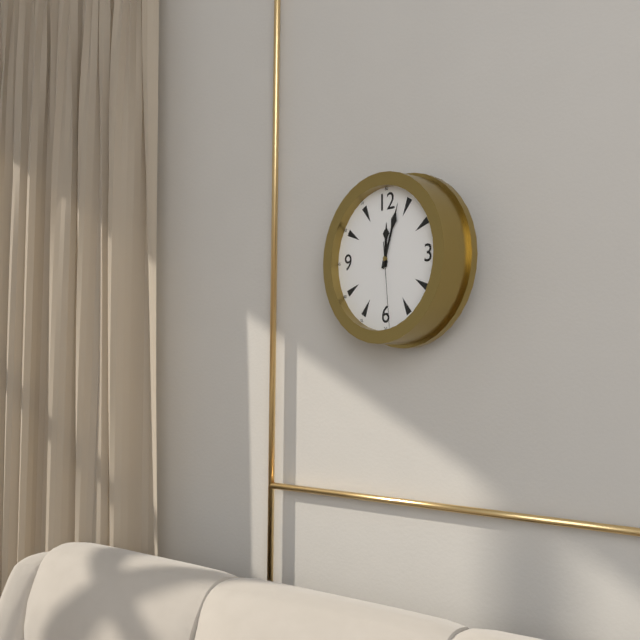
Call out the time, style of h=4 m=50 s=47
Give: h=12 m=3 s=29
